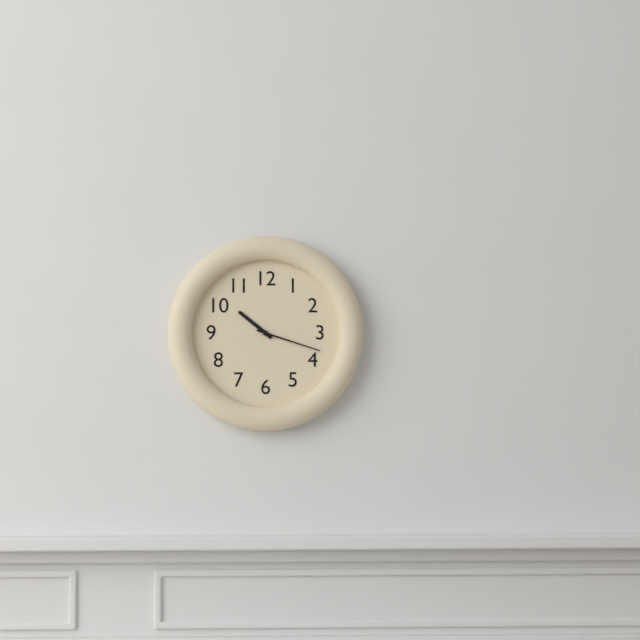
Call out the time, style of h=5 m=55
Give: h=10 m=18
